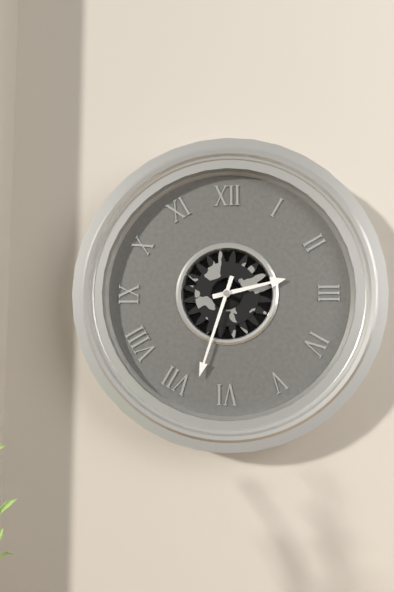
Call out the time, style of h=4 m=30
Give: h=2 m=33
